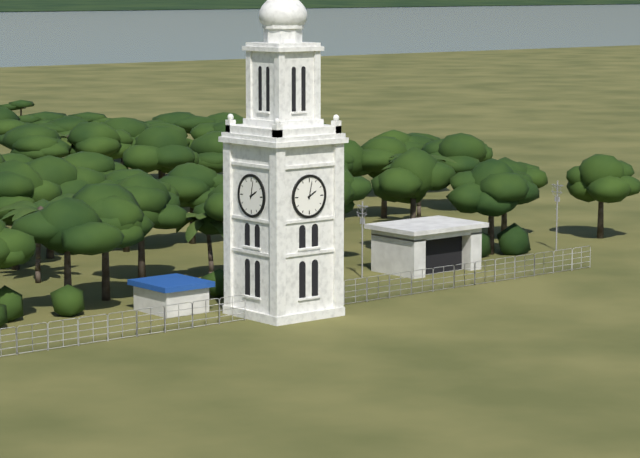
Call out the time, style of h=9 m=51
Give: h=2 m=2
